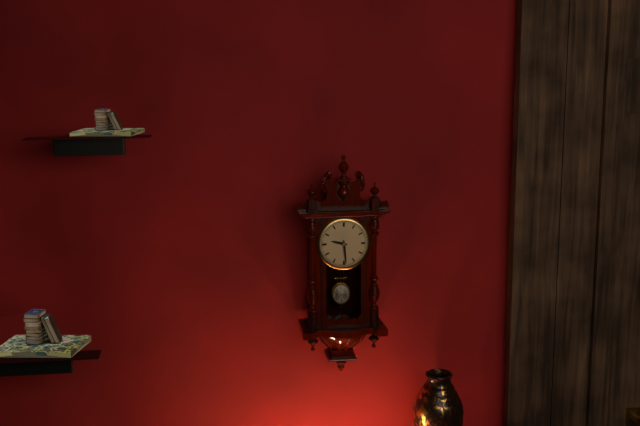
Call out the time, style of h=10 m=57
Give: h=9 m=29
